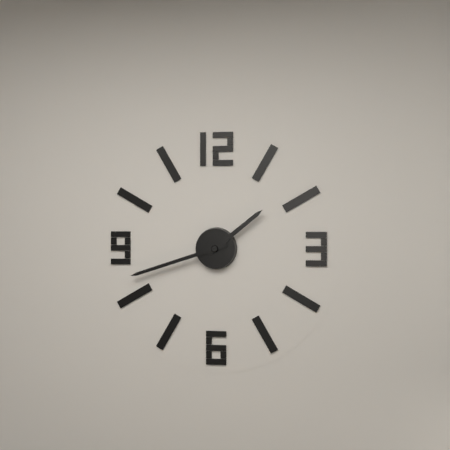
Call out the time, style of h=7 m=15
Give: h=1 m=42
